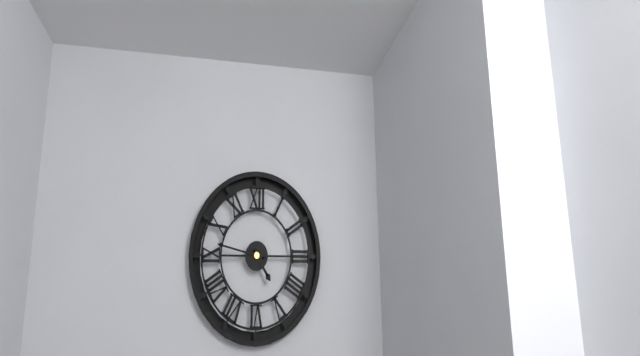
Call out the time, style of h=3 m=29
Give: h=4 m=47
